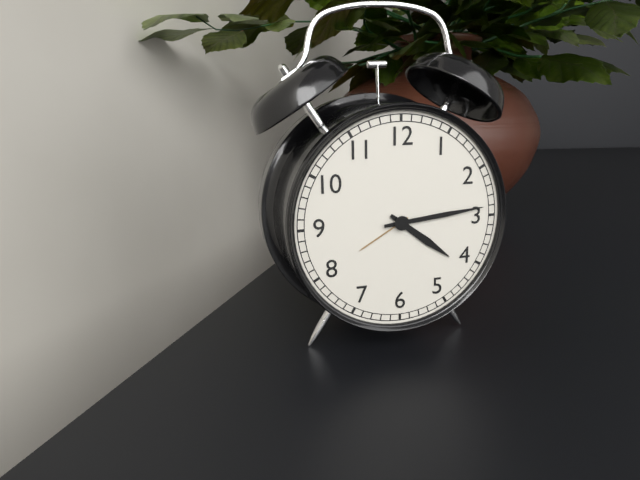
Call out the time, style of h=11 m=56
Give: h=4 m=14
